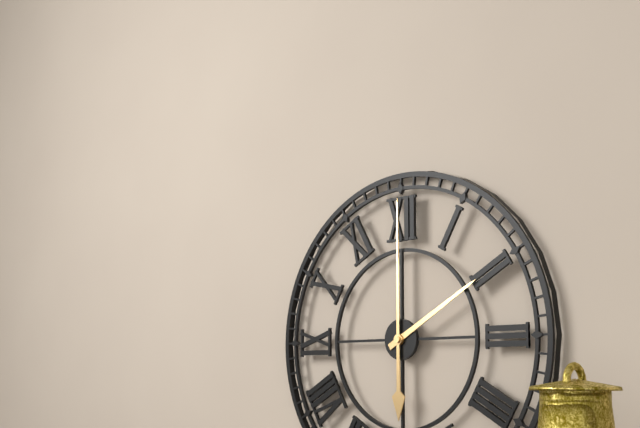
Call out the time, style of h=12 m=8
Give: h=2 m=0
